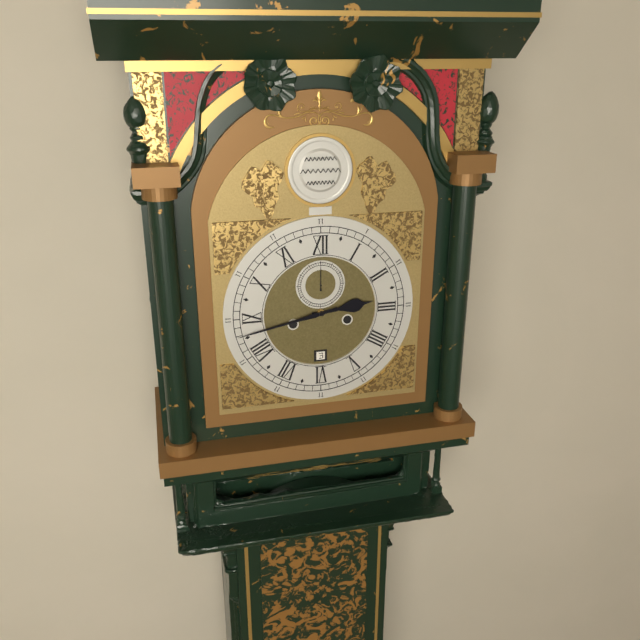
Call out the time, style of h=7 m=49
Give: h=2 m=43
